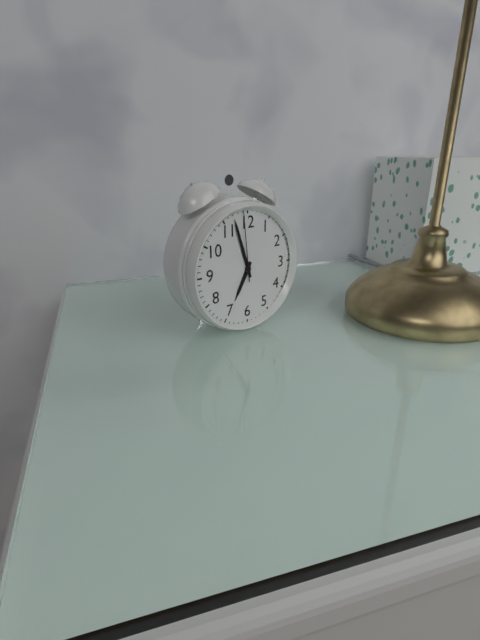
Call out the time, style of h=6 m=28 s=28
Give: h=6 m=57 s=59
